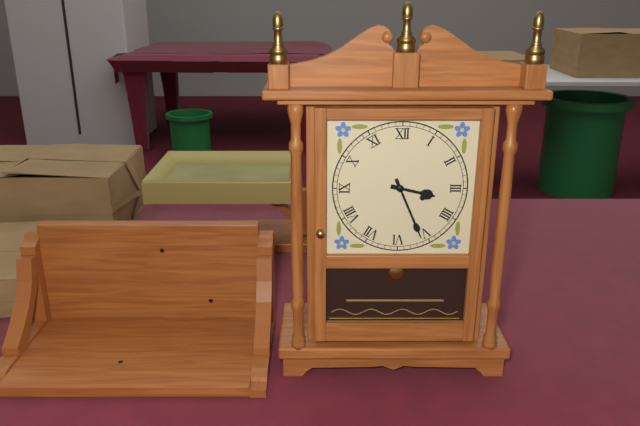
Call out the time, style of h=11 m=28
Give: h=3 m=26
